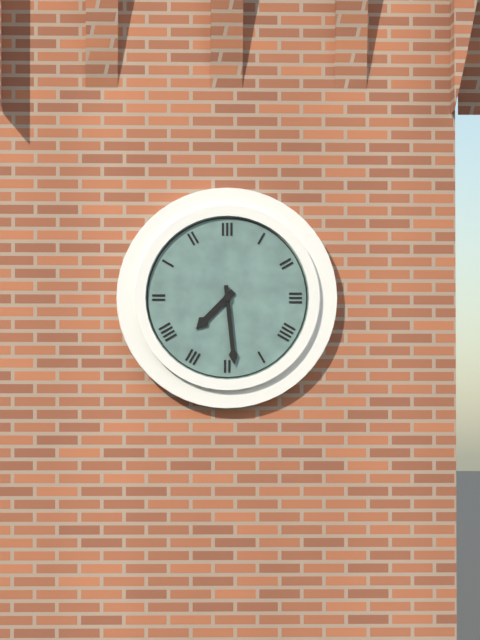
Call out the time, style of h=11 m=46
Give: h=7 m=29
